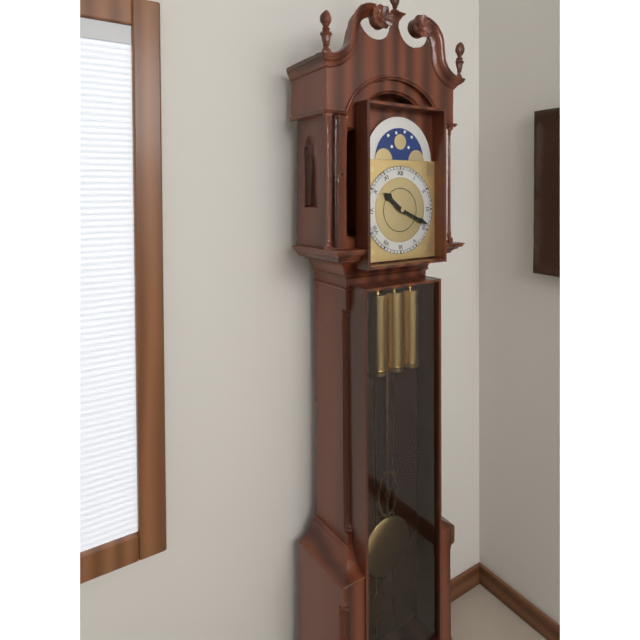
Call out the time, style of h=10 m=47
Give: h=10 m=19
